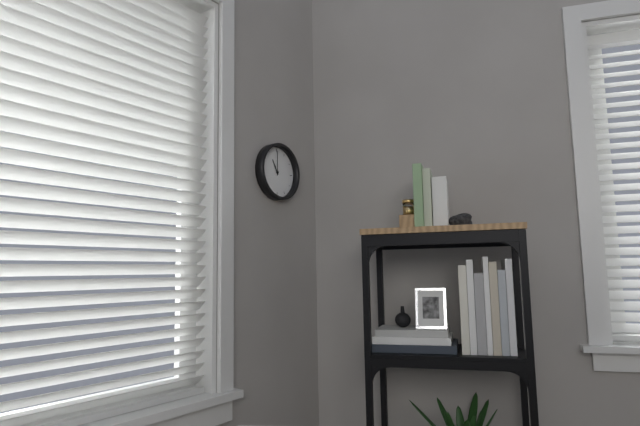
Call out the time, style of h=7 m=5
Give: h=11 m=0
